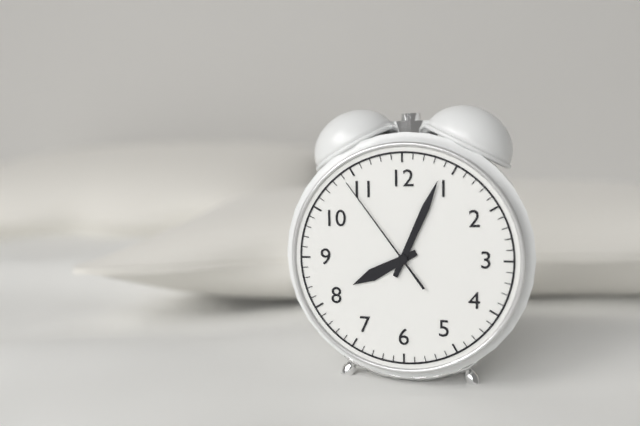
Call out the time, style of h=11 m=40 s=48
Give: h=8 m=4 s=54
